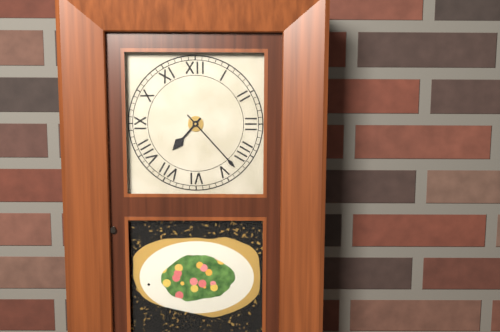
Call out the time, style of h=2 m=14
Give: h=7 m=23
